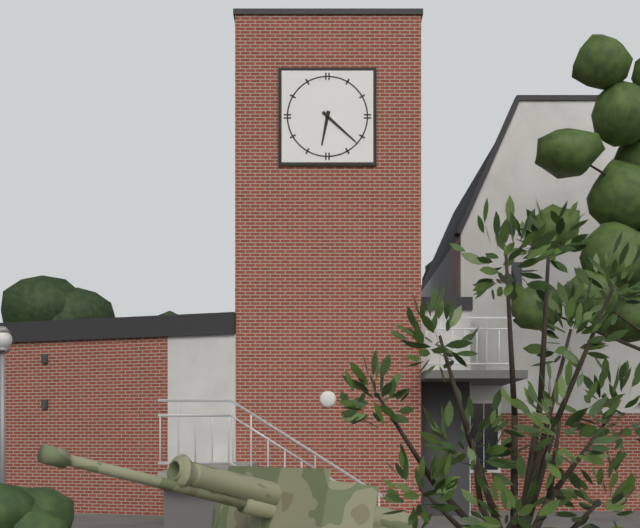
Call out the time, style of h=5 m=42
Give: h=6 m=22
